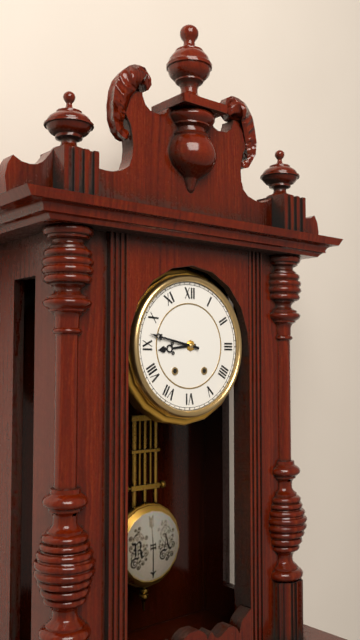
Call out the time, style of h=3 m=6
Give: h=8 m=47
